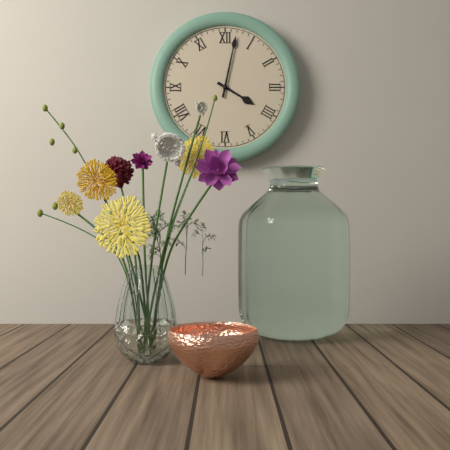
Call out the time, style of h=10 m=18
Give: h=4 m=2
